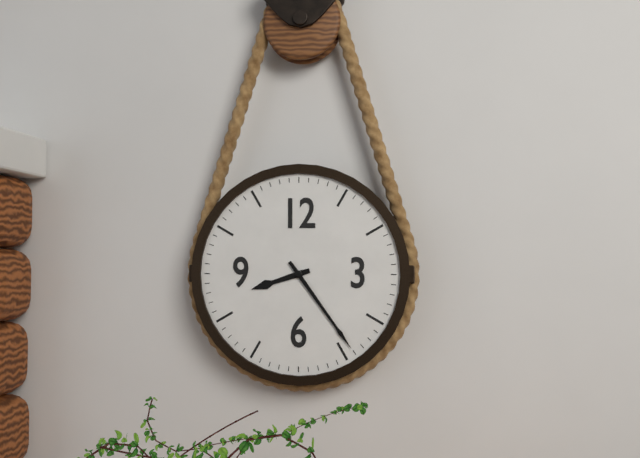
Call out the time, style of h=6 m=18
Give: h=8 m=24
